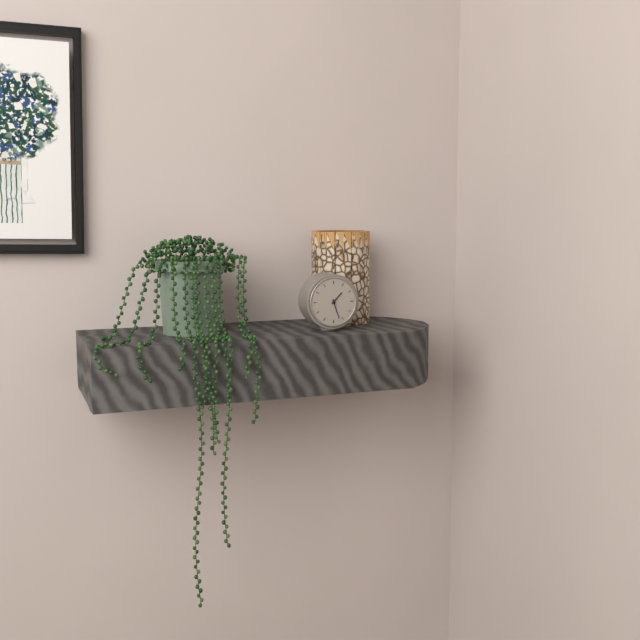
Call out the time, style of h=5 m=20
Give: h=1 m=27
